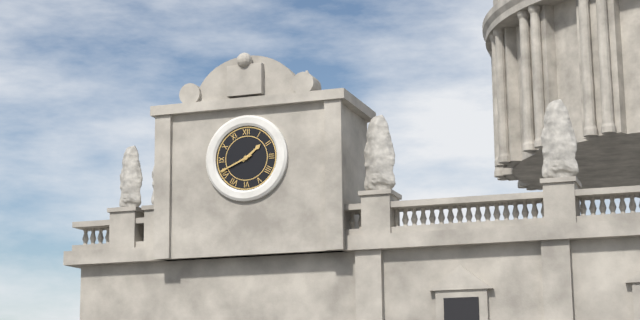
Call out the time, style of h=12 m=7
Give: h=1 m=41
